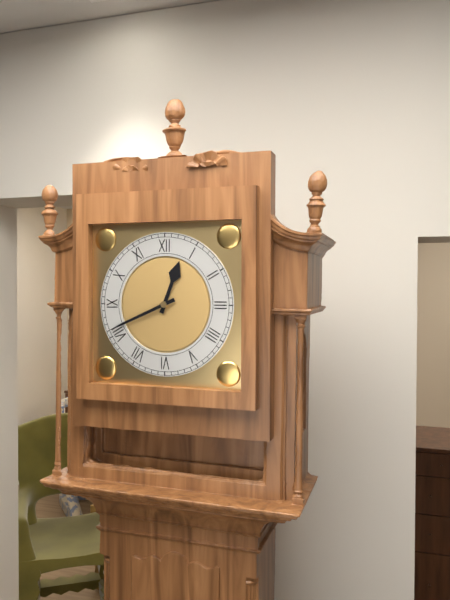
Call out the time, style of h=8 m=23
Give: h=12 m=41
